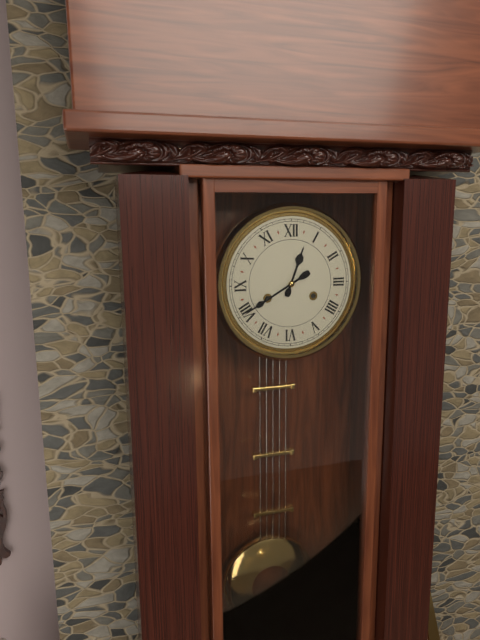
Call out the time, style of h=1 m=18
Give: h=12 m=40
